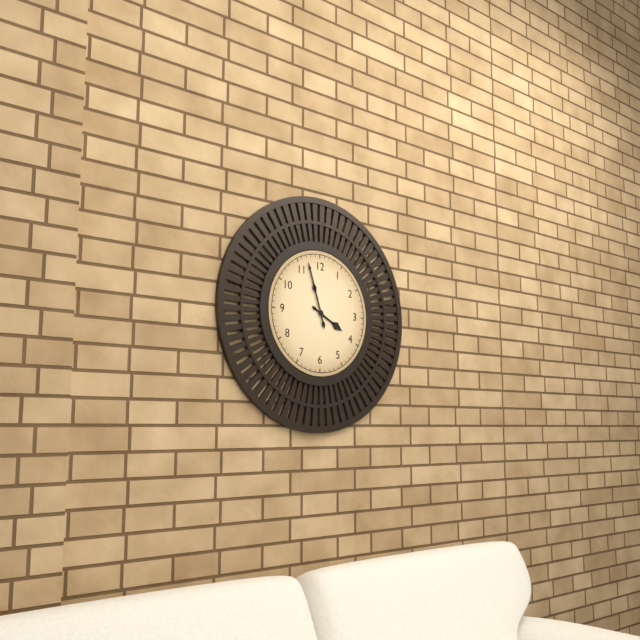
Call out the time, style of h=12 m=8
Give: h=3 m=57
